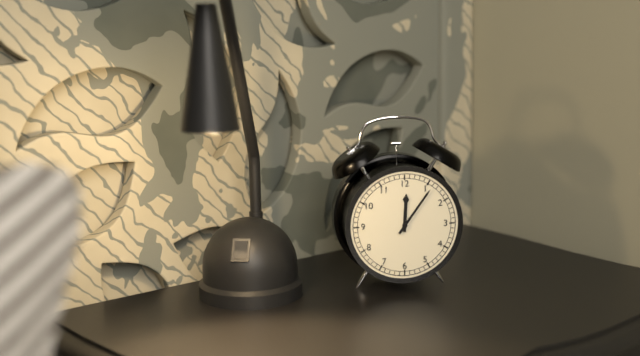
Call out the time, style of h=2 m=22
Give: h=12 m=6
